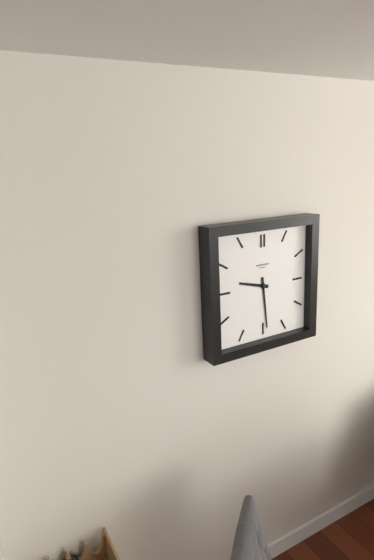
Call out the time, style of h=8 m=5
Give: h=9 m=29
